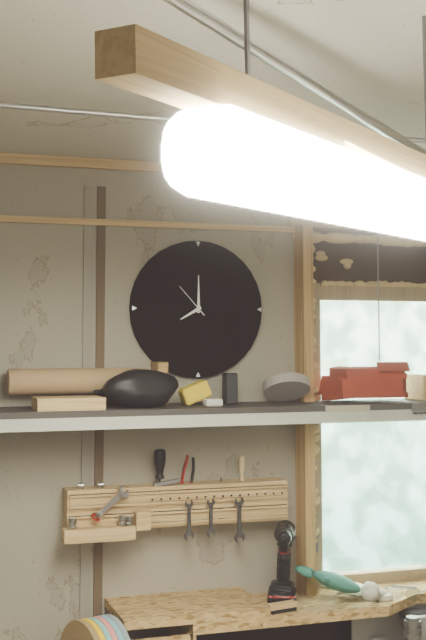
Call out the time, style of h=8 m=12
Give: h=8 m=0
